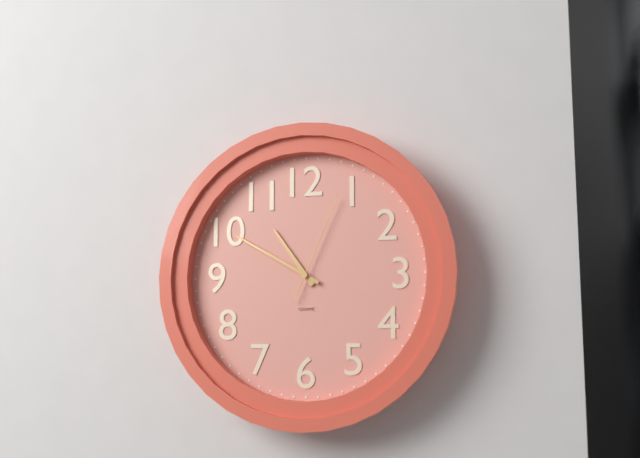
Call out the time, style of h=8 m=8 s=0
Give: h=10 m=50 s=4
